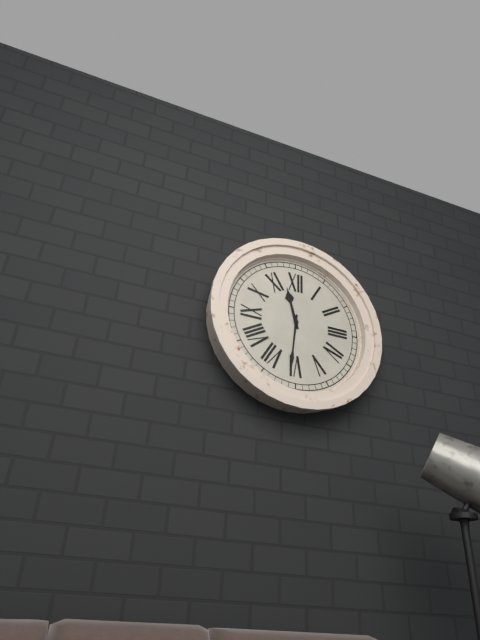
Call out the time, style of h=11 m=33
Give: h=11 m=31
